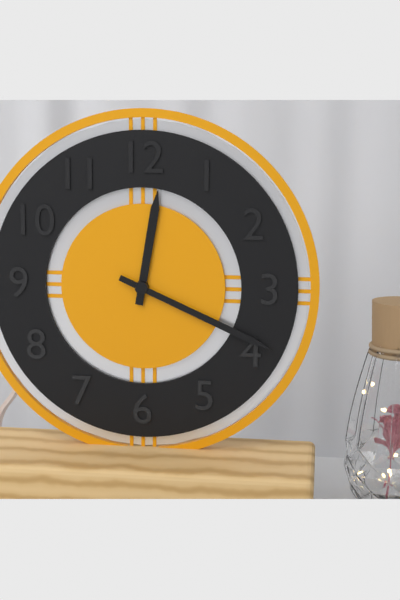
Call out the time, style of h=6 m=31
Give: h=12 m=19
